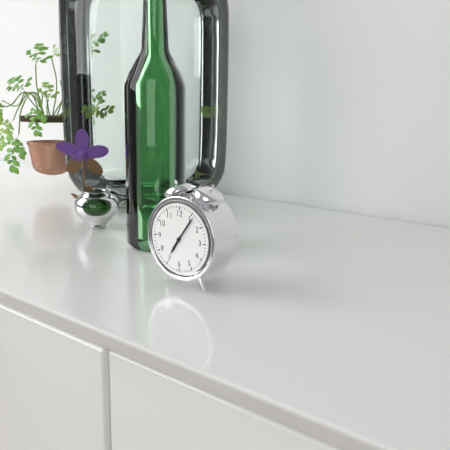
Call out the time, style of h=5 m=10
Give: h=7 m=6
